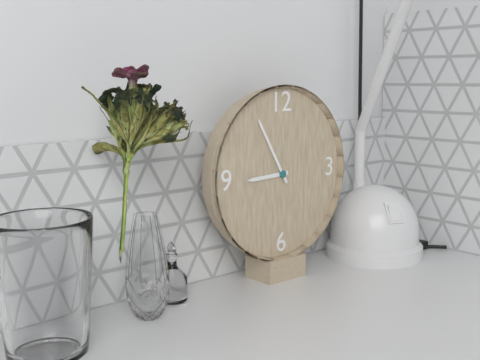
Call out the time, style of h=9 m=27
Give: h=8 m=55
